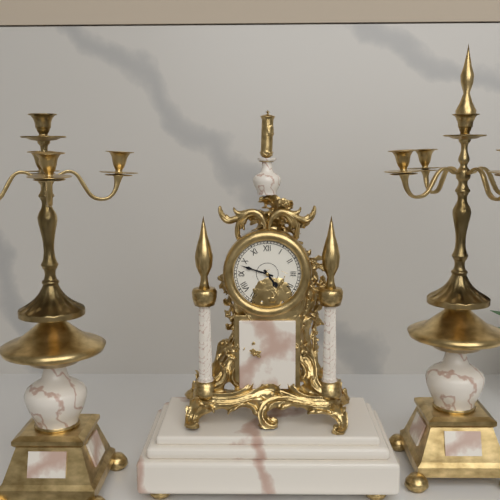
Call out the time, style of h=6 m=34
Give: h=4 m=48
